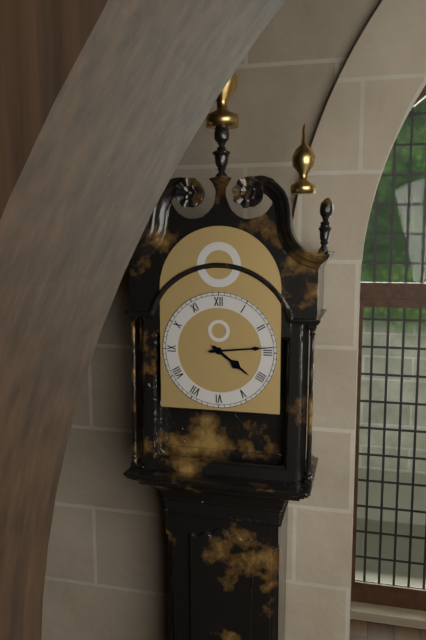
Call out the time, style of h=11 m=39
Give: h=4 m=14
